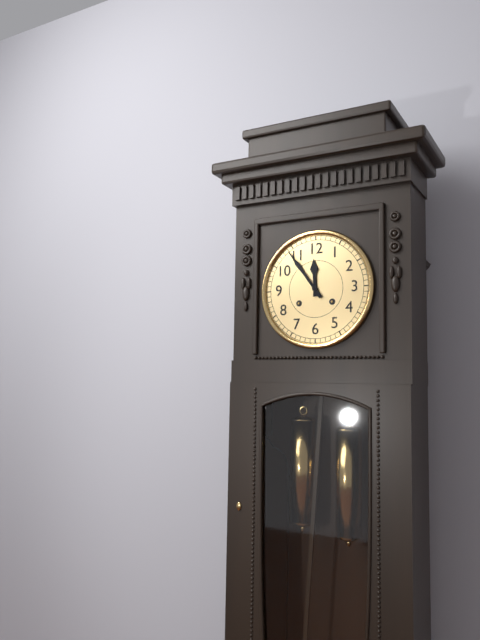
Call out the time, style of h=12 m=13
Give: h=11 m=54
